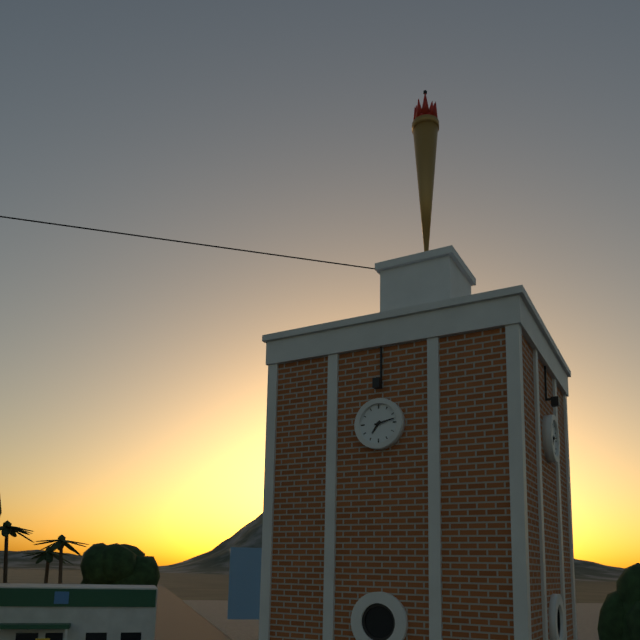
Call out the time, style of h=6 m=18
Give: h=7 m=13
